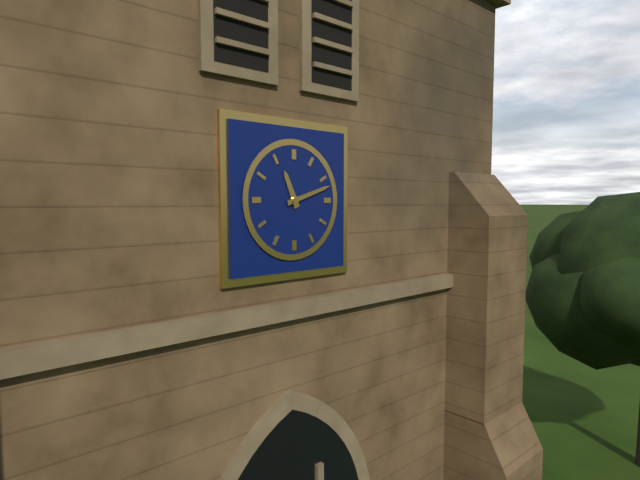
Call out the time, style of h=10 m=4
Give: h=11 m=12
